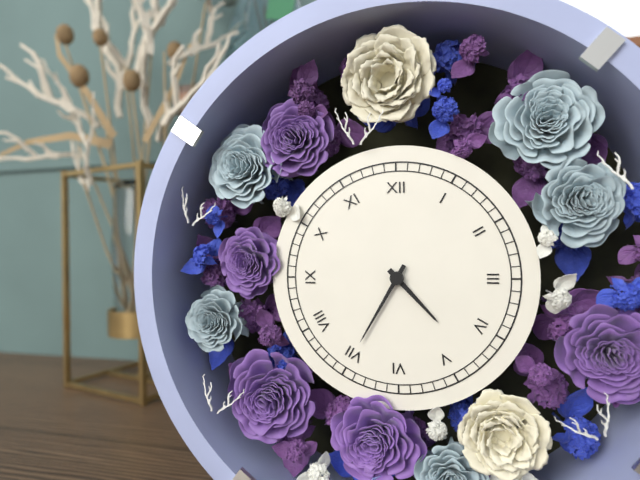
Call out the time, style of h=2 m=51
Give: h=4 m=35
